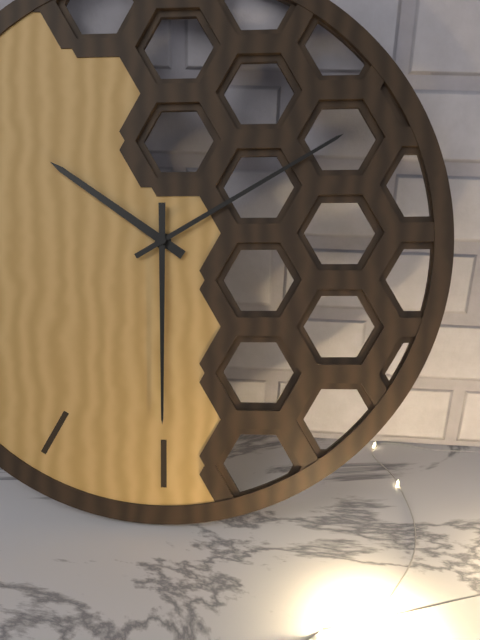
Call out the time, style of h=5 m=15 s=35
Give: h=10 m=10 s=30
